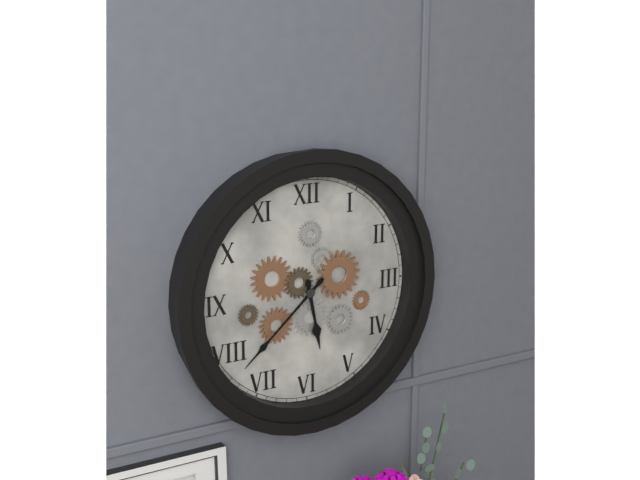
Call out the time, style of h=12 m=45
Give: h=5 m=38
